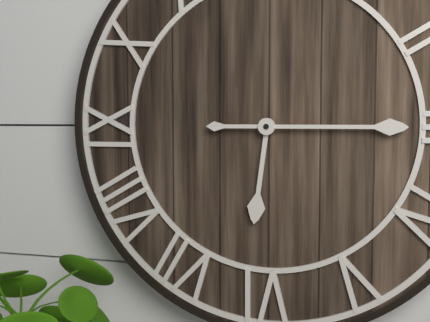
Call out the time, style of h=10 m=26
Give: h=6 m=15
